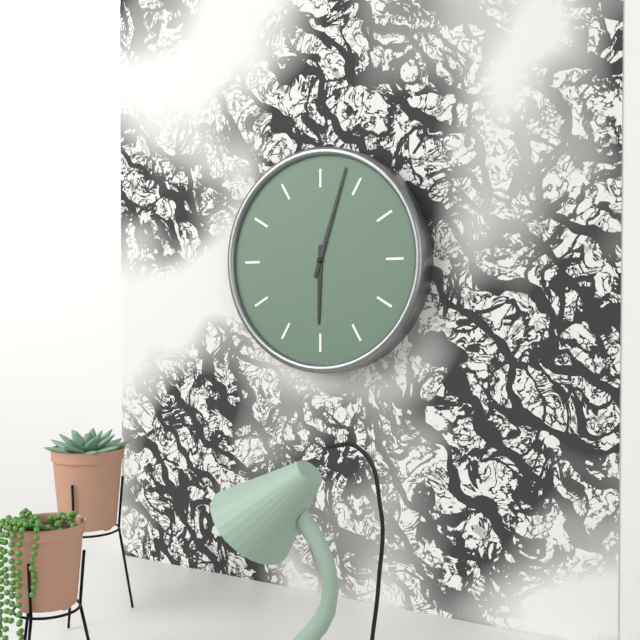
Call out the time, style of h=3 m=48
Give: h=6 m=3
